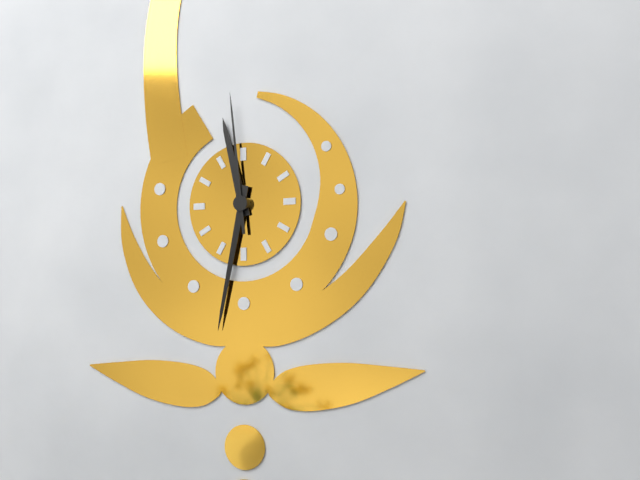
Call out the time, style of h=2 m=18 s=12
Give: h=11 m=32 s=59
